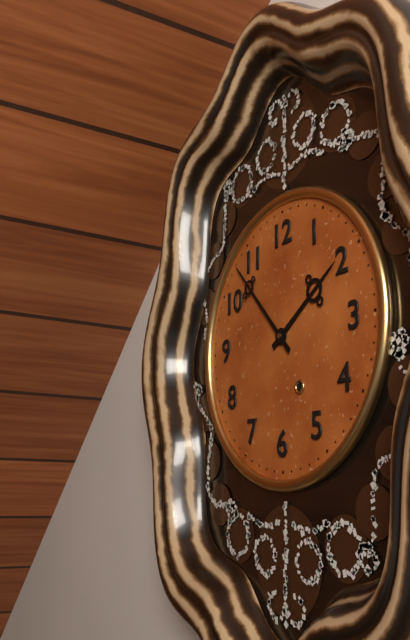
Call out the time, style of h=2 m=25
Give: h=1 m=53
